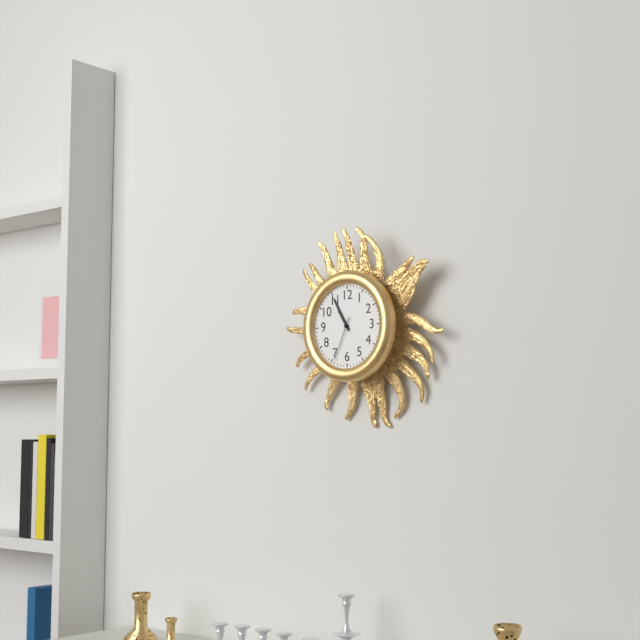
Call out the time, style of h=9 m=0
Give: h=10 m=55
